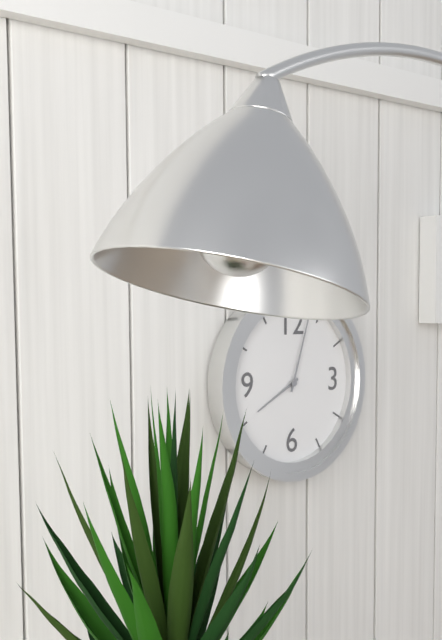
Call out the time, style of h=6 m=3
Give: h=8 m=3
